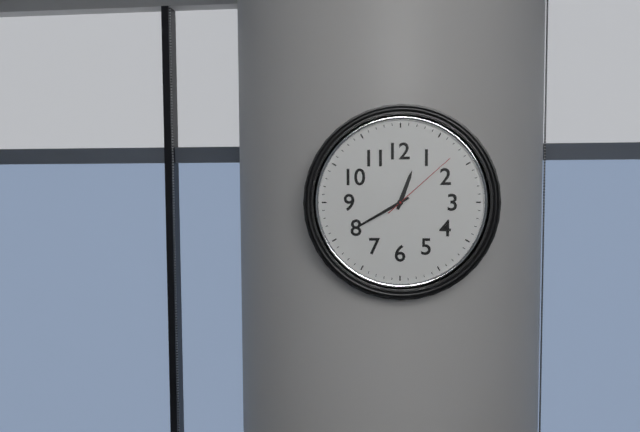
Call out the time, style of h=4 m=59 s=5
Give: h=12 m=40 s=8
